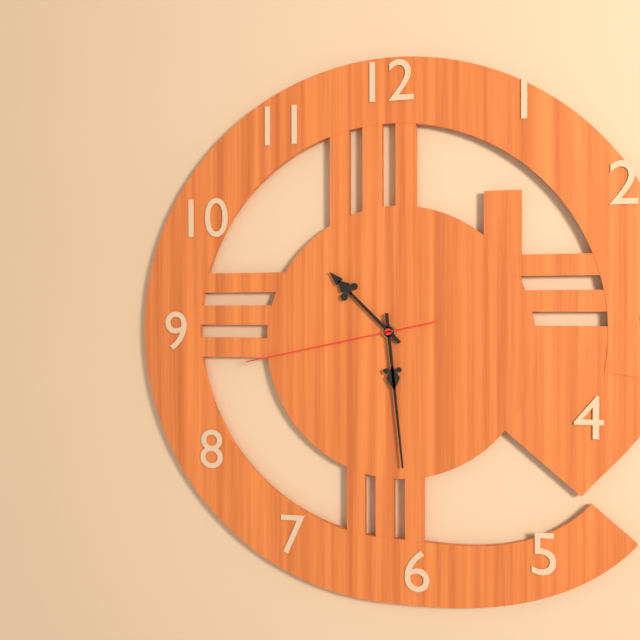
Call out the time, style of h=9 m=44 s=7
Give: h=10 m=29 s=43
